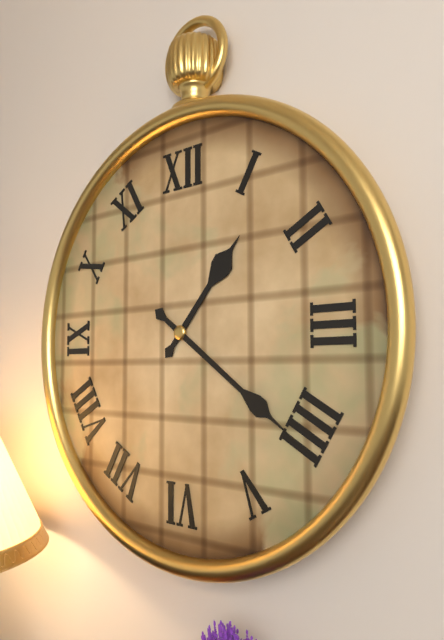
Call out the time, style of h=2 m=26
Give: h=1 m=21
